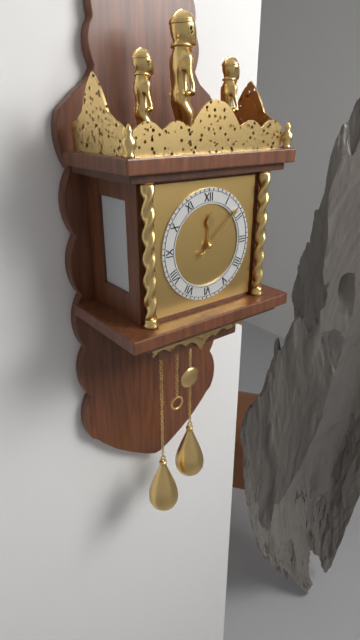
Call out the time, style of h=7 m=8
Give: h=12 m=8
